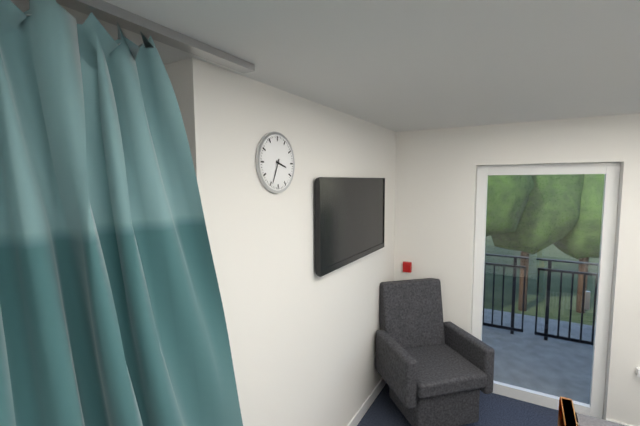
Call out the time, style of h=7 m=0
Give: h=3 m=34
